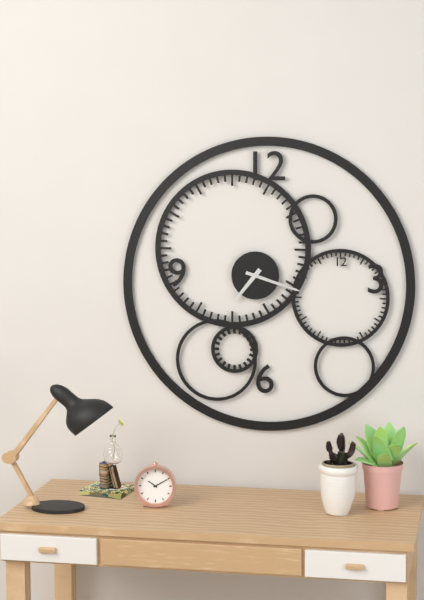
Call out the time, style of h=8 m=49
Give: h=7 m=18
